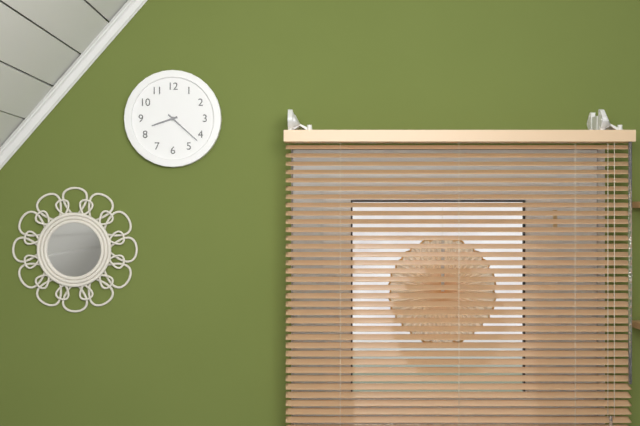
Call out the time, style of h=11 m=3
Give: h=8 m=22
